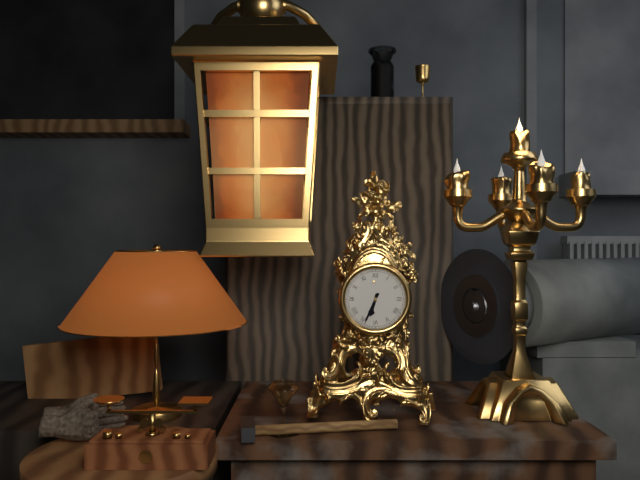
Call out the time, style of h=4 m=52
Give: h=6 m=34
